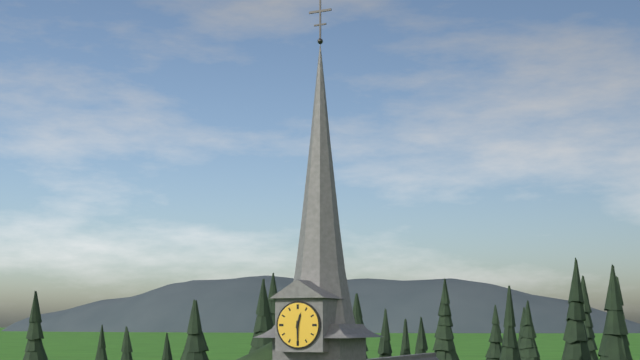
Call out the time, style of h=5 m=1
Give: h=12 m=30
